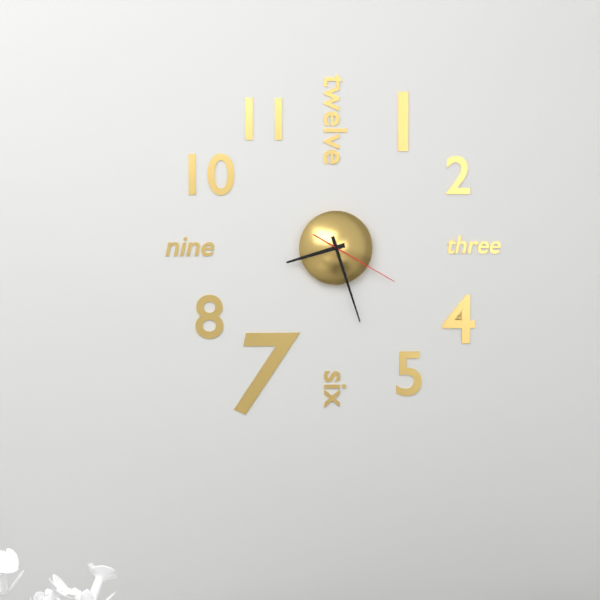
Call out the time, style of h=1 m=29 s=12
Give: h=8 m=27 s=20
